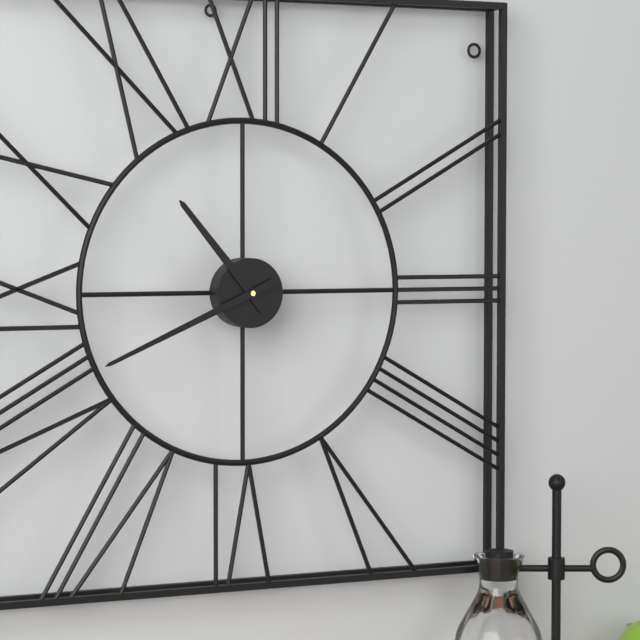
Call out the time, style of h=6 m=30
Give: h=10 m=41
